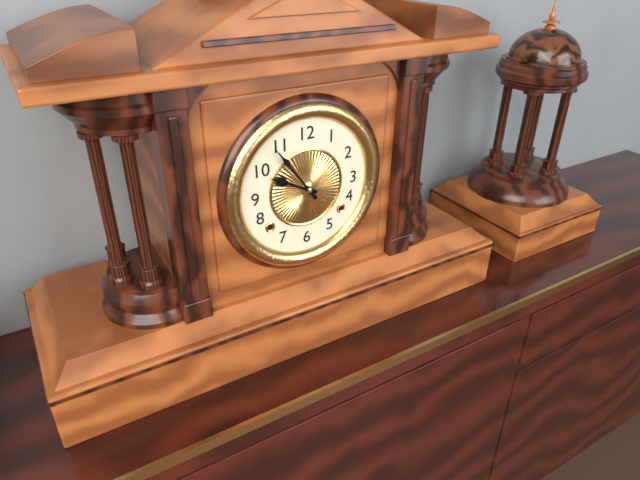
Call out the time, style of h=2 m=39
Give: h=9 m=54
